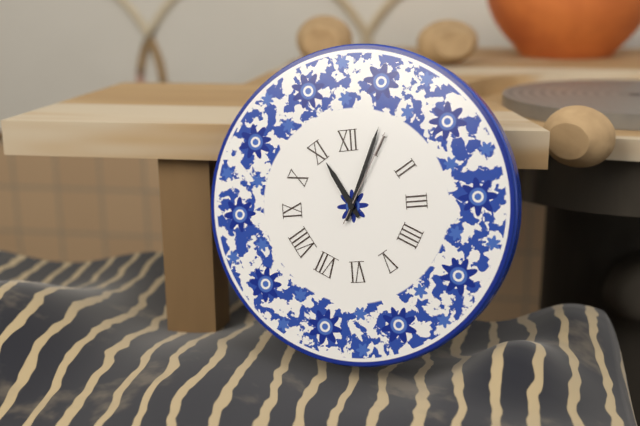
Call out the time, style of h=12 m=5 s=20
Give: h=11 m=4 s=5
